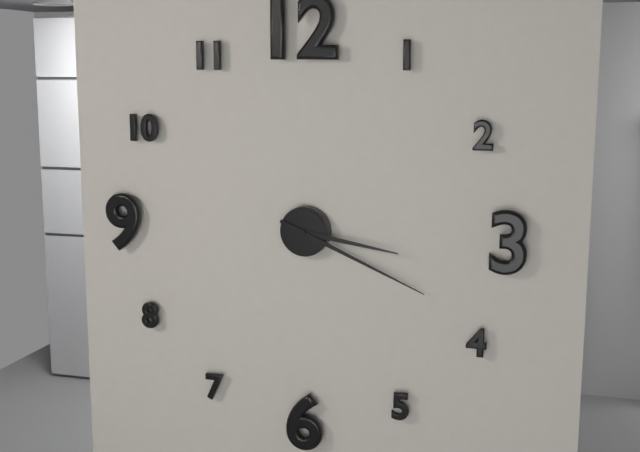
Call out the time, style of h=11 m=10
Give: h=3 m=19
